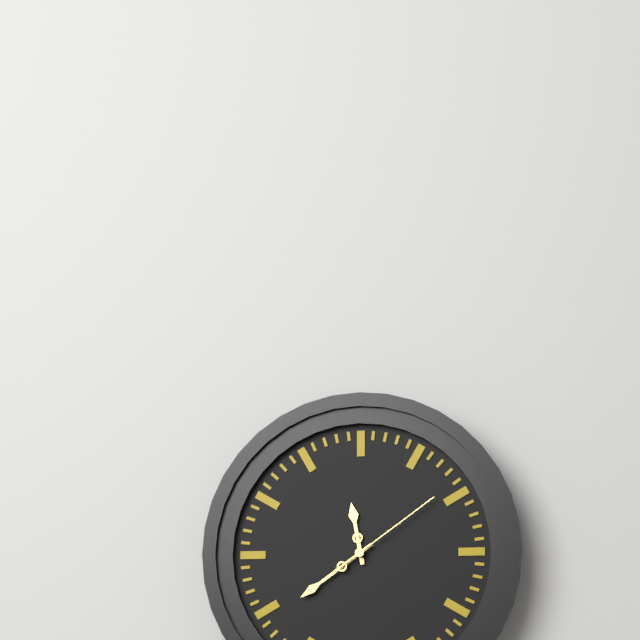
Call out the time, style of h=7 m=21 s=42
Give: h=11 m=39 s=9
